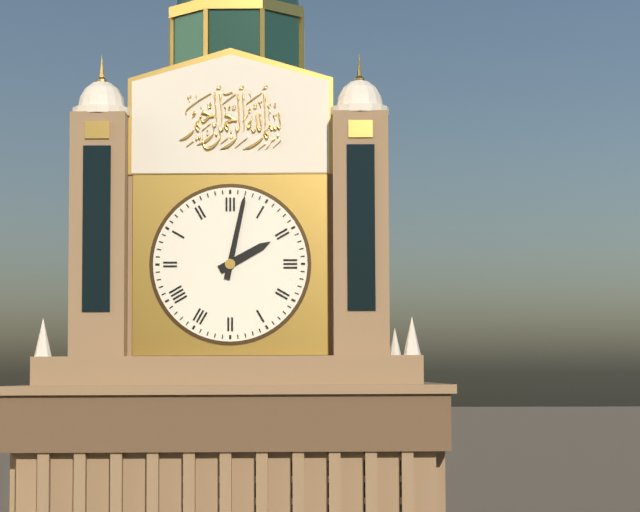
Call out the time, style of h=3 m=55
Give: h=2 m=2
